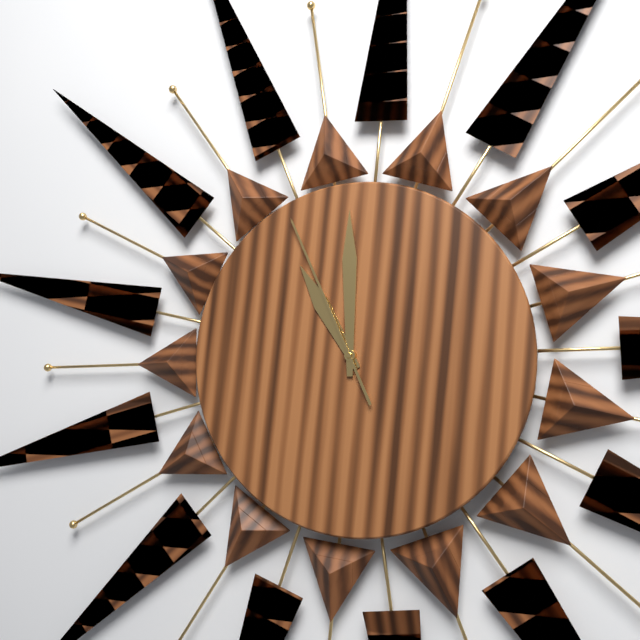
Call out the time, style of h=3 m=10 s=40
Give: h=11 m=0 s=56
